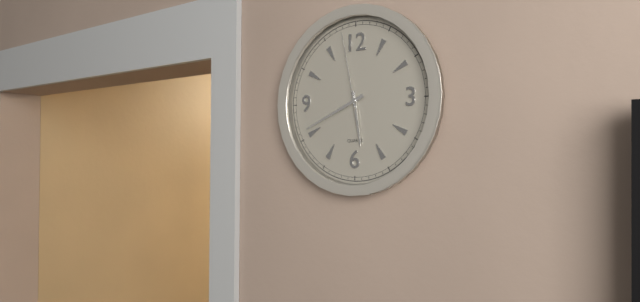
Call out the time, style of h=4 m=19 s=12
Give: h=5 m=41 s=58
